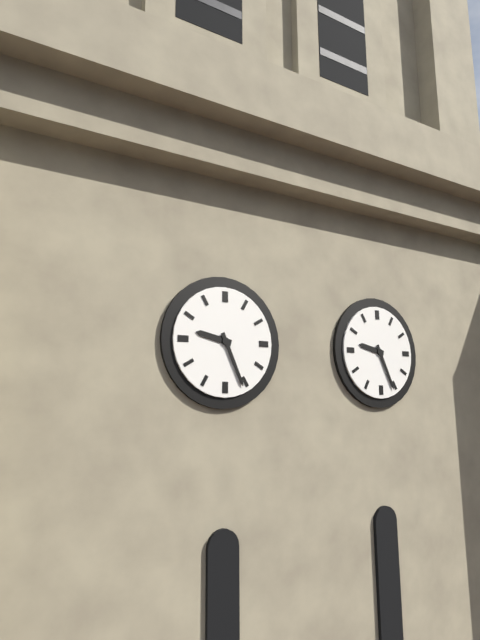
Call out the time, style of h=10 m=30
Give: h=9 m=26
